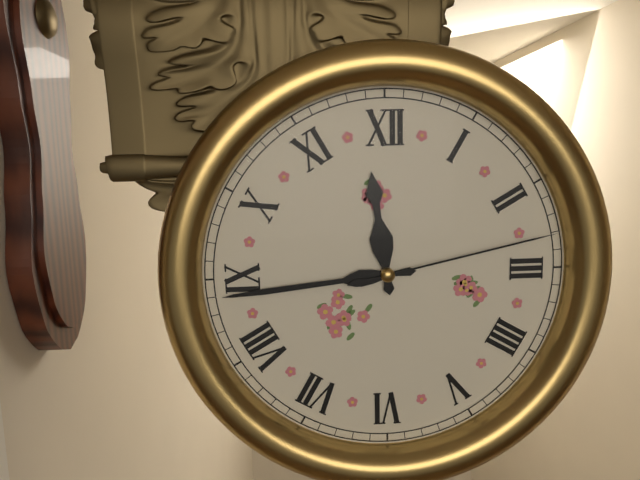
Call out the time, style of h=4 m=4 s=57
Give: h=11 m=44 s=13
